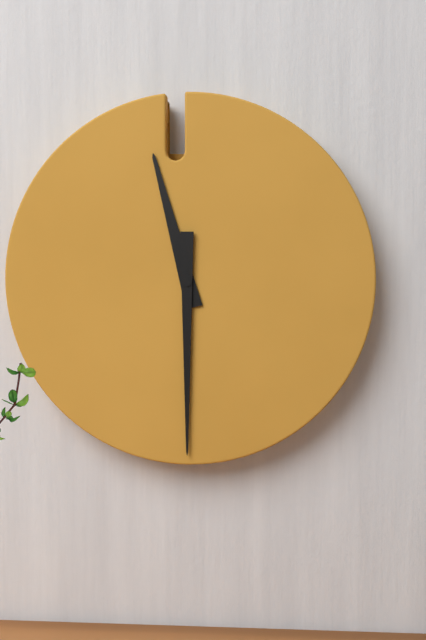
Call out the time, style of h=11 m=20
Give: h=11 m=30
